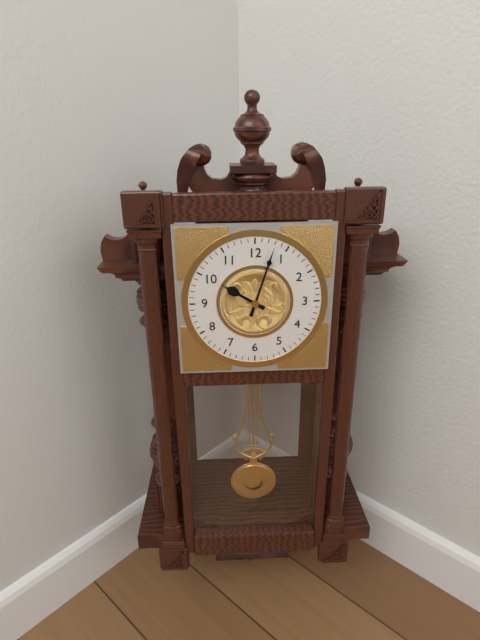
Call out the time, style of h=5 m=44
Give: h=10 m=3
